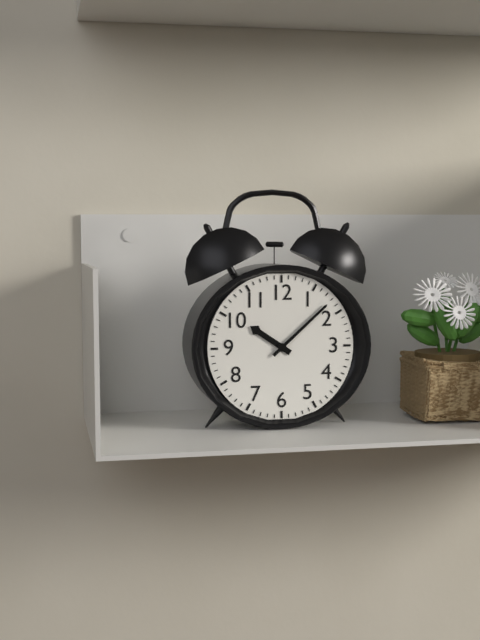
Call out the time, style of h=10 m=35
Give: h=10 m=8
